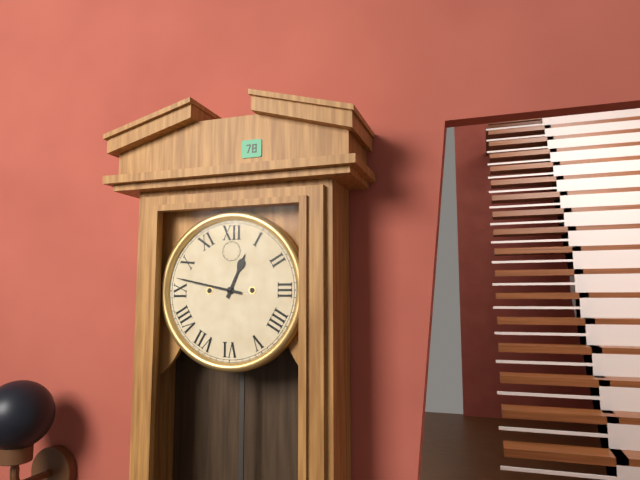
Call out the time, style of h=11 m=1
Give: h=12 m=47
